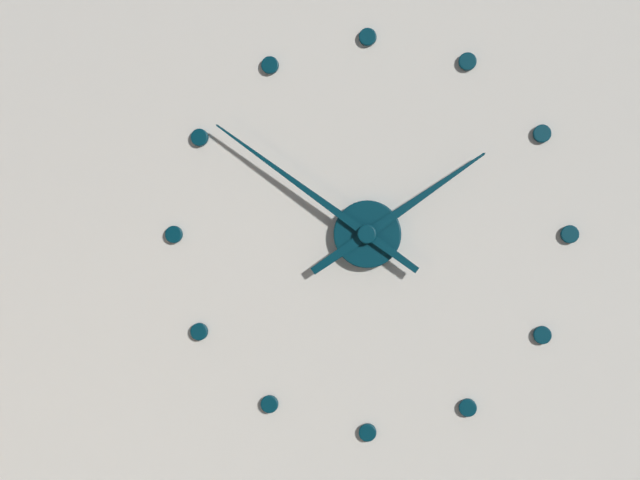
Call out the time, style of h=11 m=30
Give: h=1 m=51
